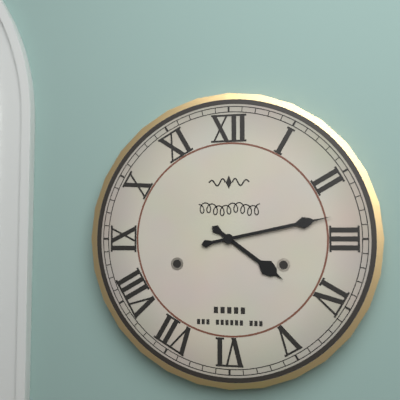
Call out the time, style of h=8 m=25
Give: h=4 m=13
